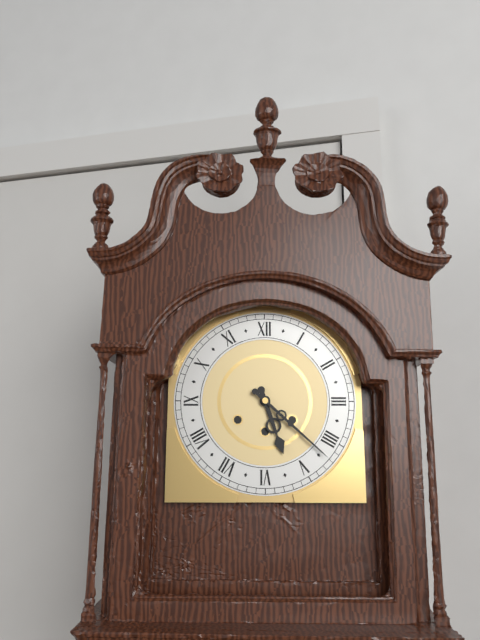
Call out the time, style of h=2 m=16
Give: h=5 m=22
